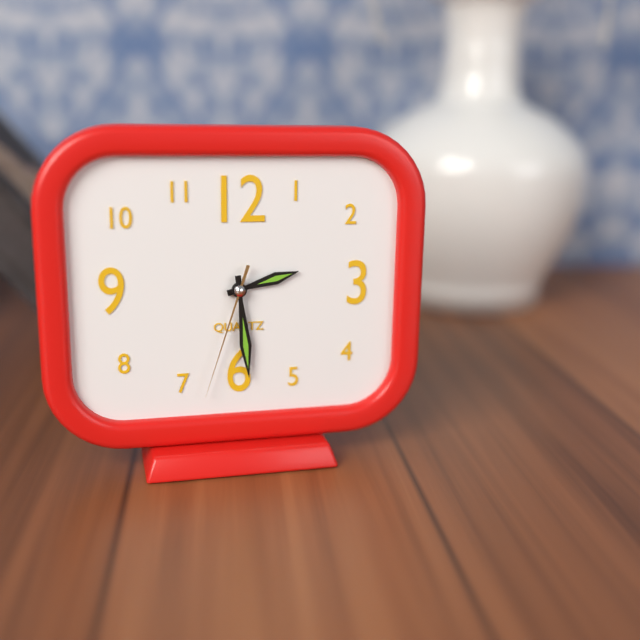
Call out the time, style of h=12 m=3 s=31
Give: h=2 m=29 s=33
